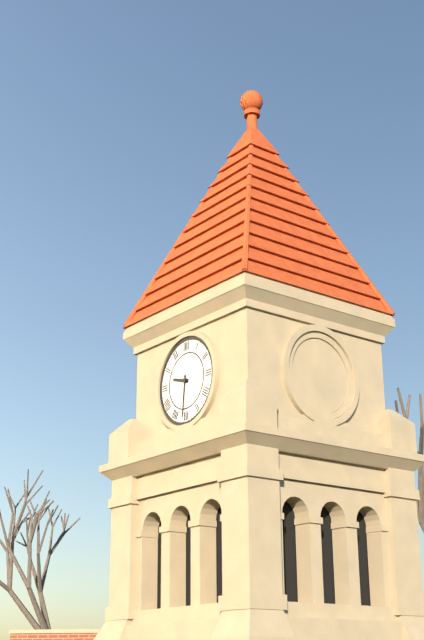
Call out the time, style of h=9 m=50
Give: h=9 m=31
